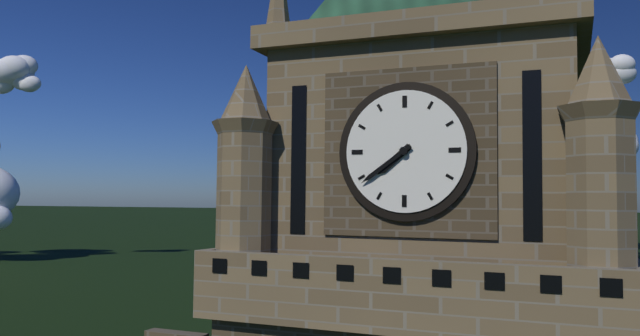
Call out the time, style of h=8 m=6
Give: h=7 m=39
